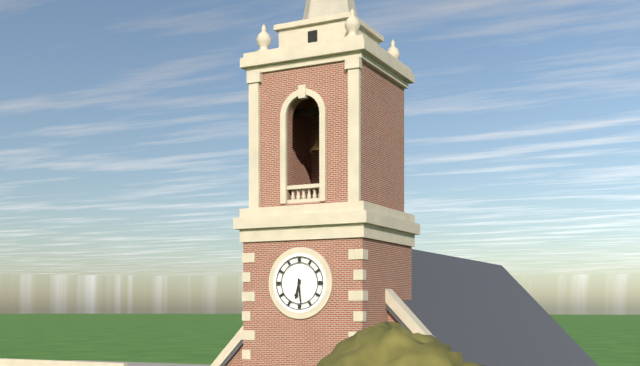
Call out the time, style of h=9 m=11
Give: h=6 m=29
